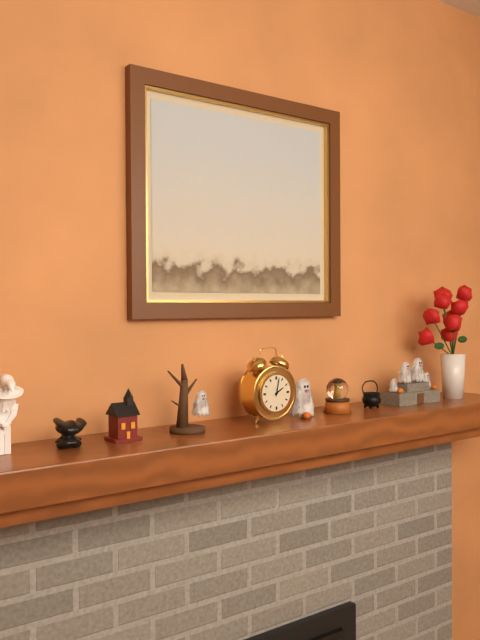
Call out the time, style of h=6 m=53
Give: h=2 m=2
